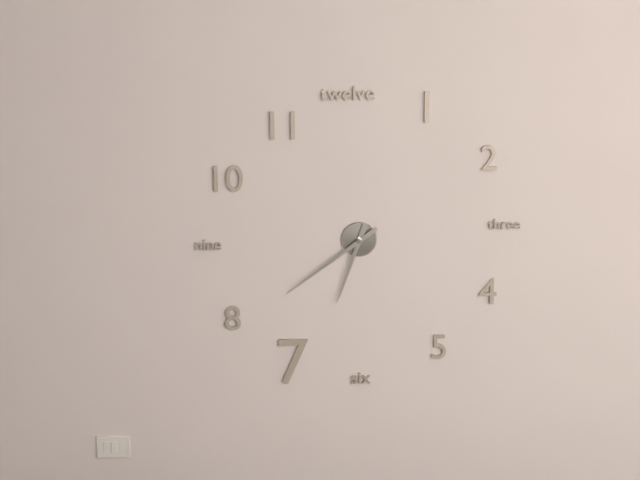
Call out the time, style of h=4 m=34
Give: h=6 m=39
